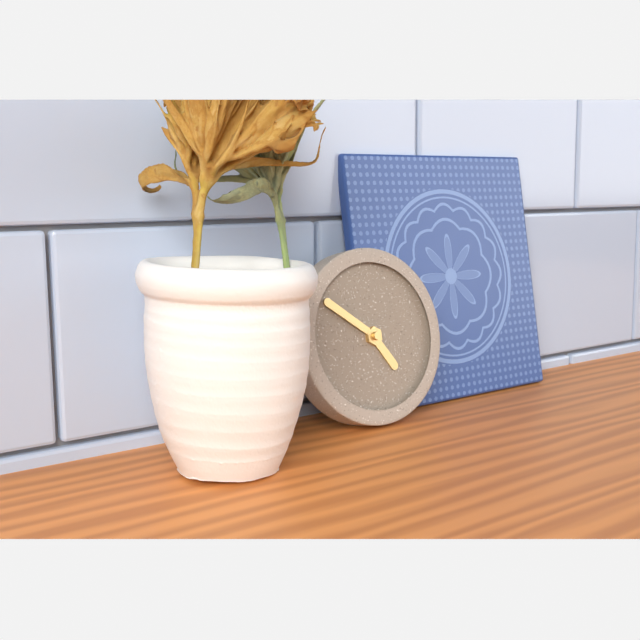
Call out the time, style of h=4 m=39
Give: h=4 m=51
